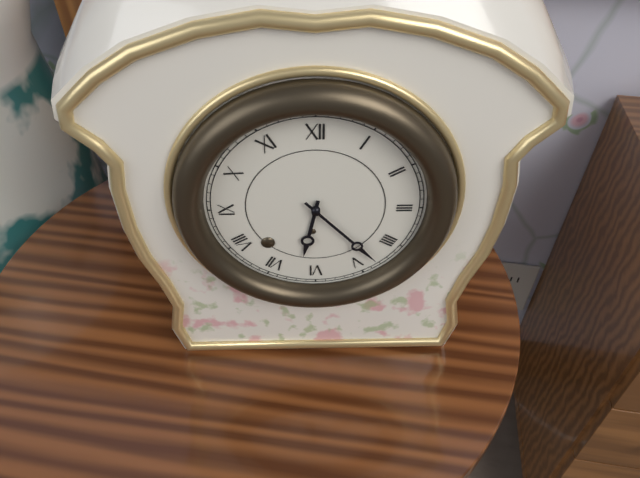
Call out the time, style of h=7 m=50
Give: h=6 m=23
